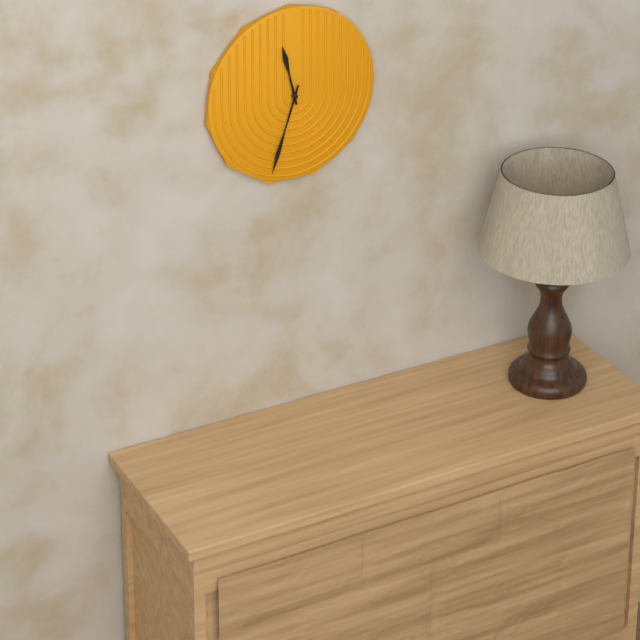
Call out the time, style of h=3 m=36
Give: h=11 m=33
